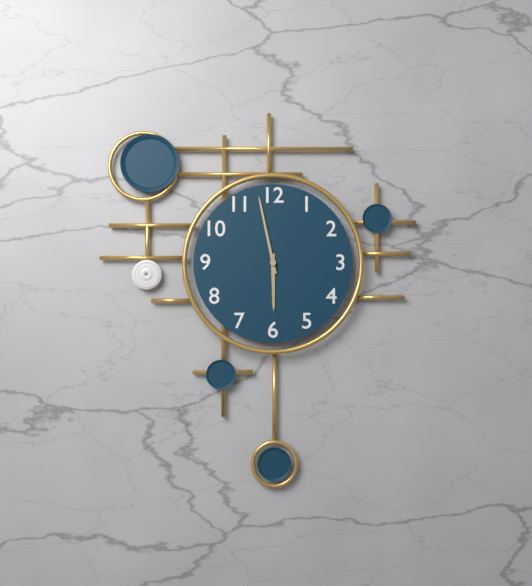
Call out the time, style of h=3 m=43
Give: h=5 m=58
